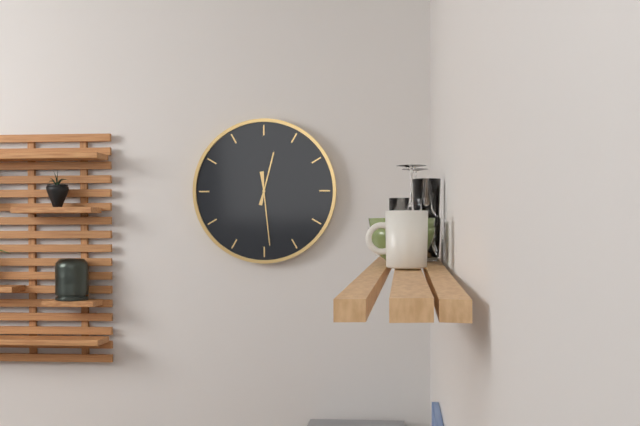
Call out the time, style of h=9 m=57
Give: h=12 m=29
